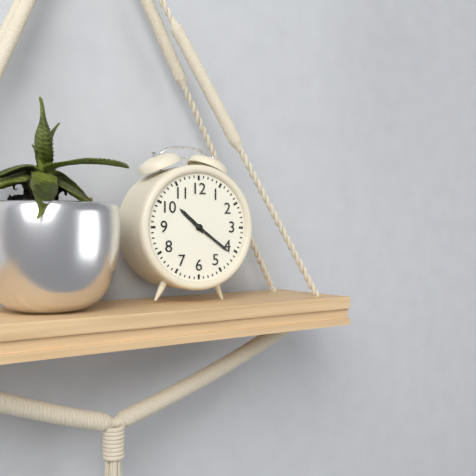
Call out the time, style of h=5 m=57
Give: h=10 m=21
